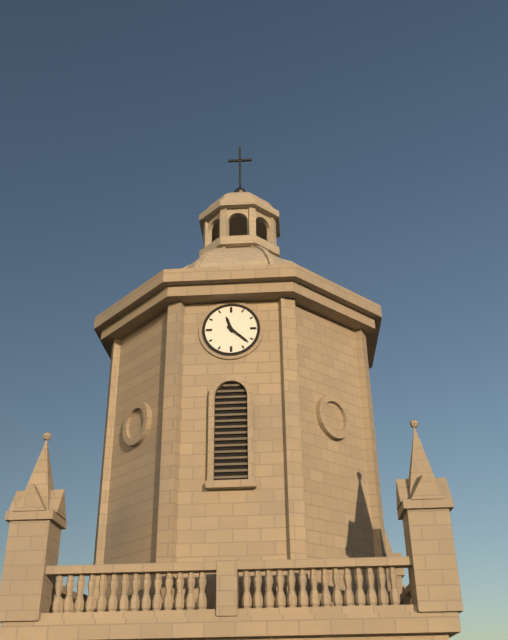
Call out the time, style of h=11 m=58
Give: h=11 m=22
